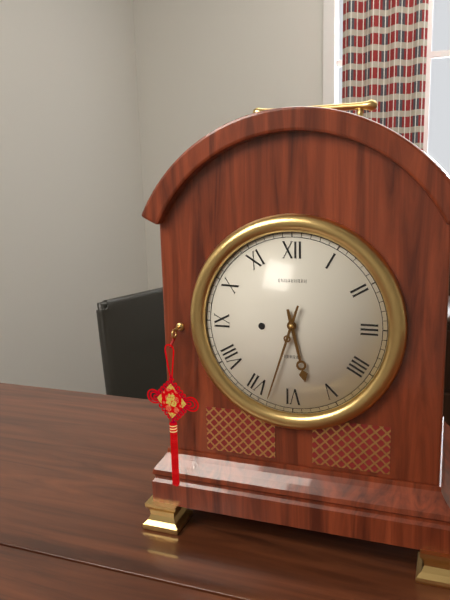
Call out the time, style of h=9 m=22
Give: h=5 m=33
